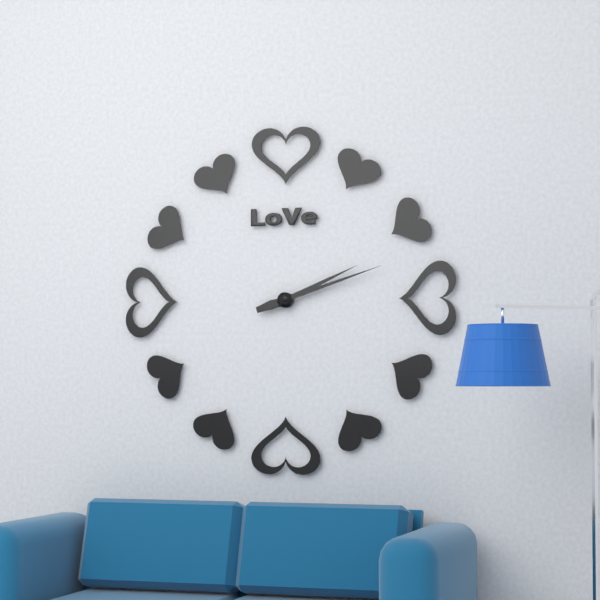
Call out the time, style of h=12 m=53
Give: h=2 m=12
